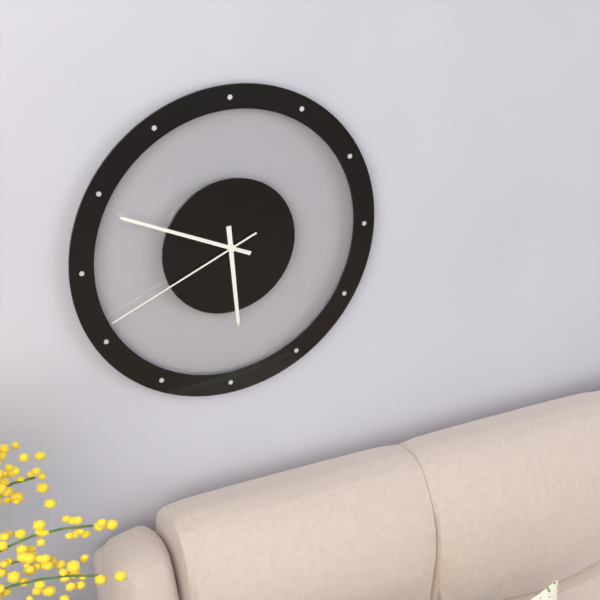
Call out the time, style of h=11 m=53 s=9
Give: h=5 m=49 s=41
